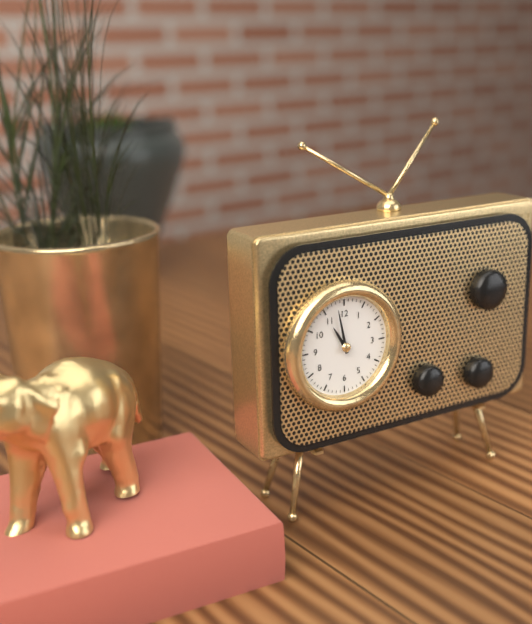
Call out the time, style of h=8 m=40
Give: h=10 m=58
